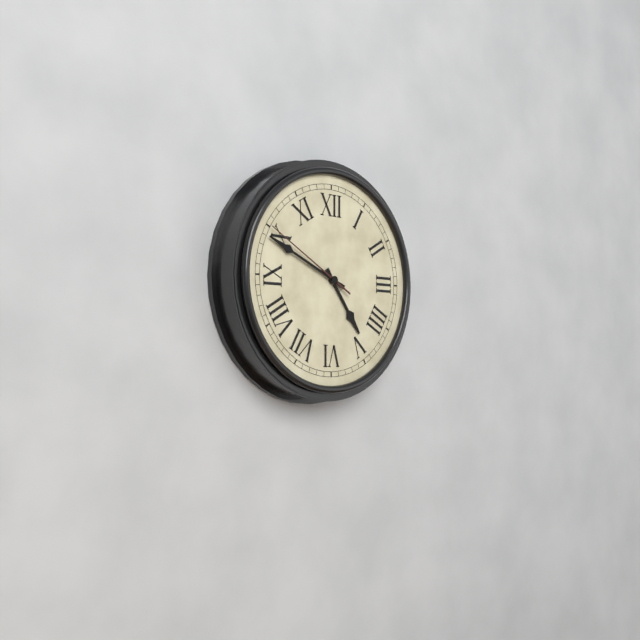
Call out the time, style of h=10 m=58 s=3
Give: h=4 m=49 s=50
